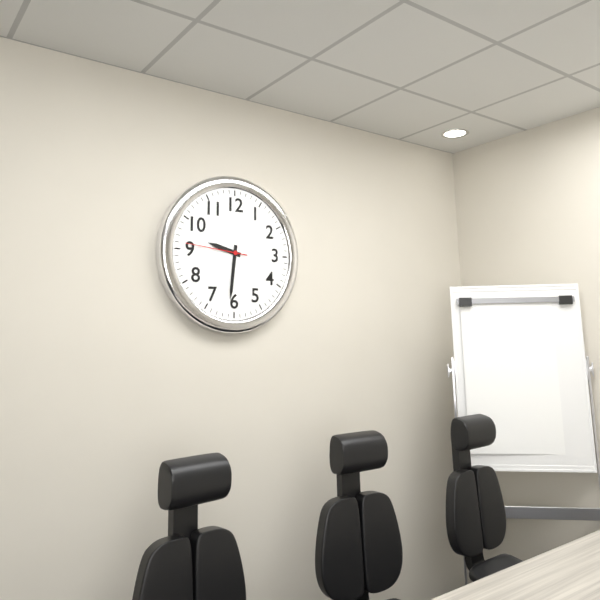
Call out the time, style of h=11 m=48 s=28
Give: h=9 m=31 s=46
